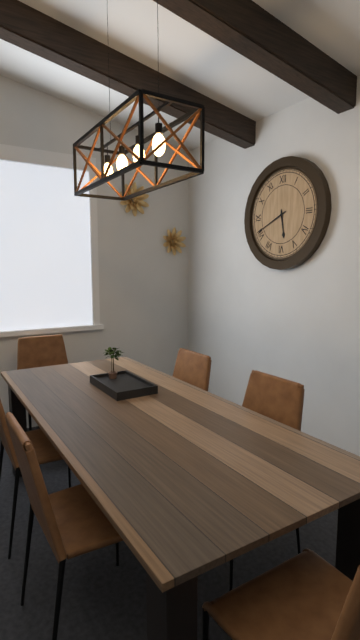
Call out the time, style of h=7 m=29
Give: h=5 m=41
